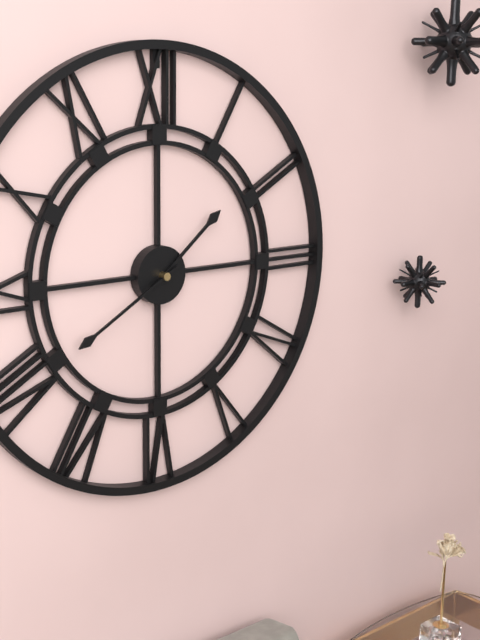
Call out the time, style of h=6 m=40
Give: h=1 m=40
